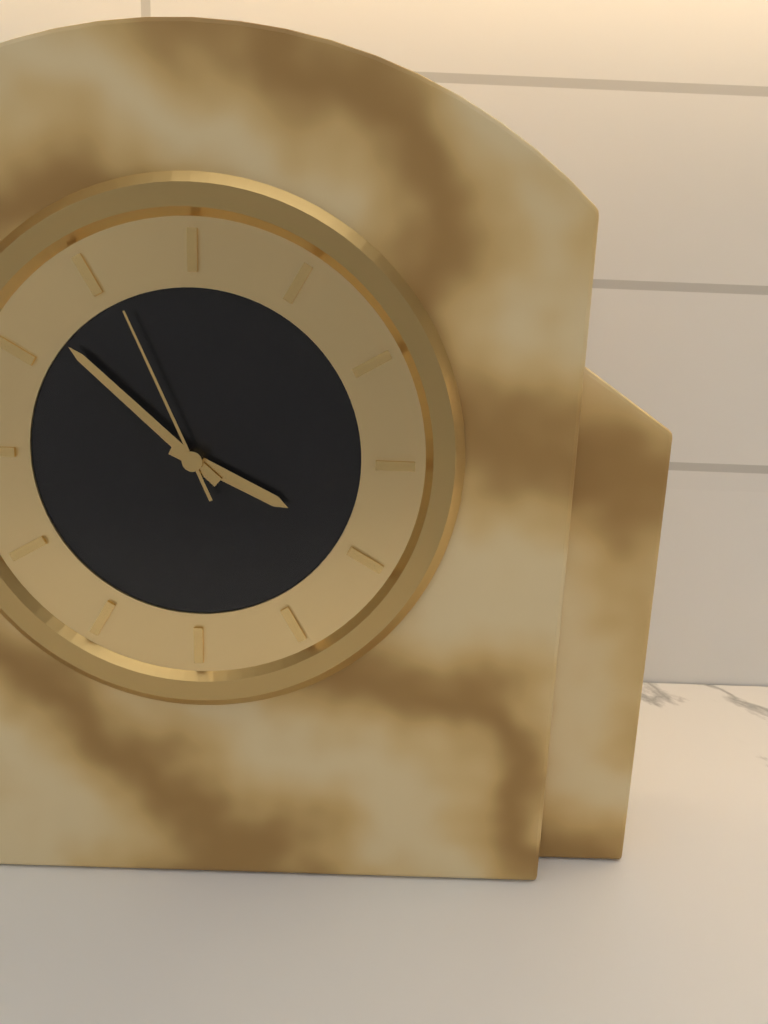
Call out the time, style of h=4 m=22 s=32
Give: h=3 m=52 s=56
